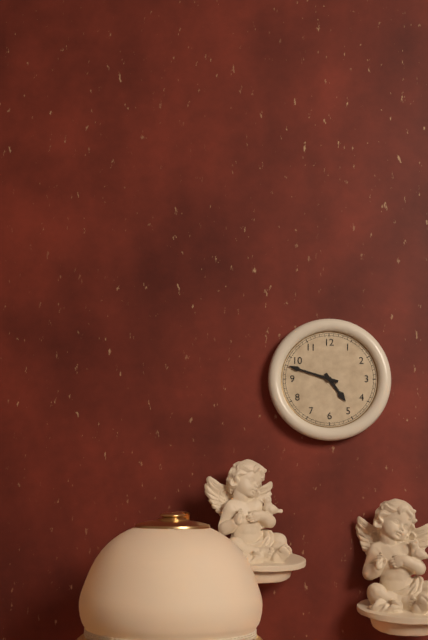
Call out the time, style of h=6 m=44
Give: h=4 m=48
